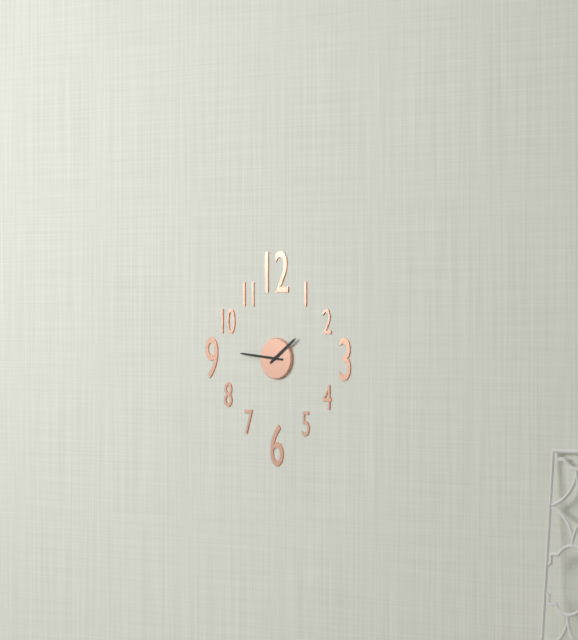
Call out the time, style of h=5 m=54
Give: h=1 m=46
